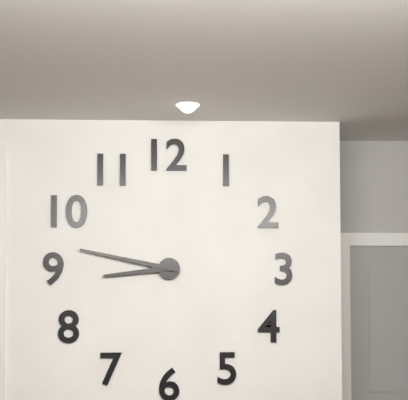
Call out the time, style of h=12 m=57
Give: h=8 m=47
